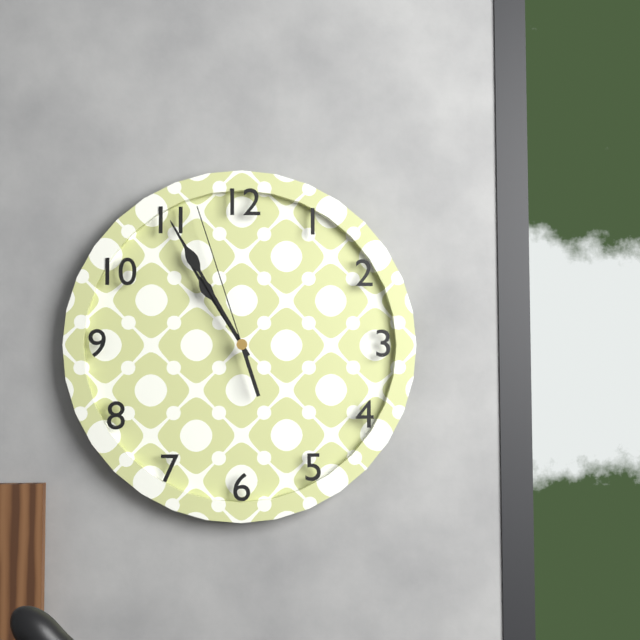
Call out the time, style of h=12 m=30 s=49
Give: h=10 m=55 s=57
